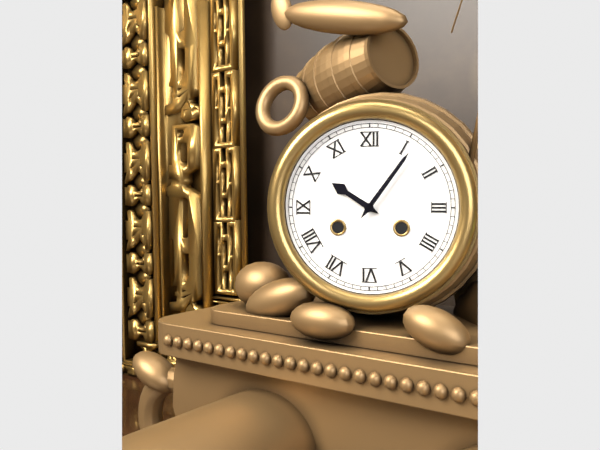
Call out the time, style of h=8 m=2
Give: h=10 m=6
